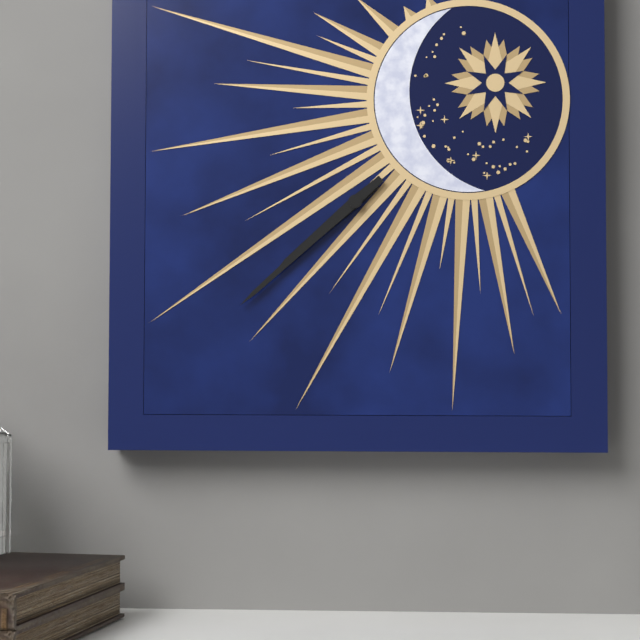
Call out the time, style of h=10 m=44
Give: h=7 m=38
